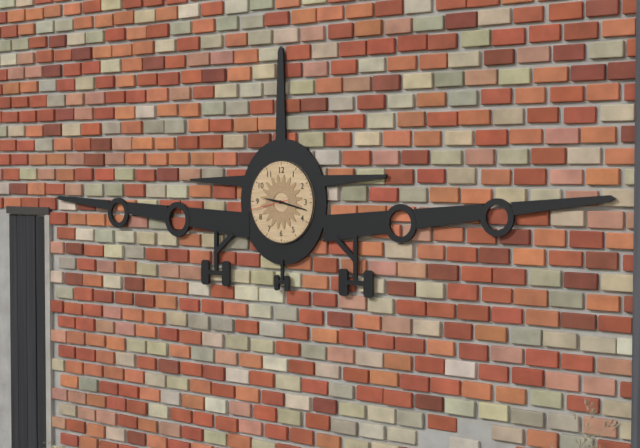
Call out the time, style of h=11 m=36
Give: h=9 m=17
